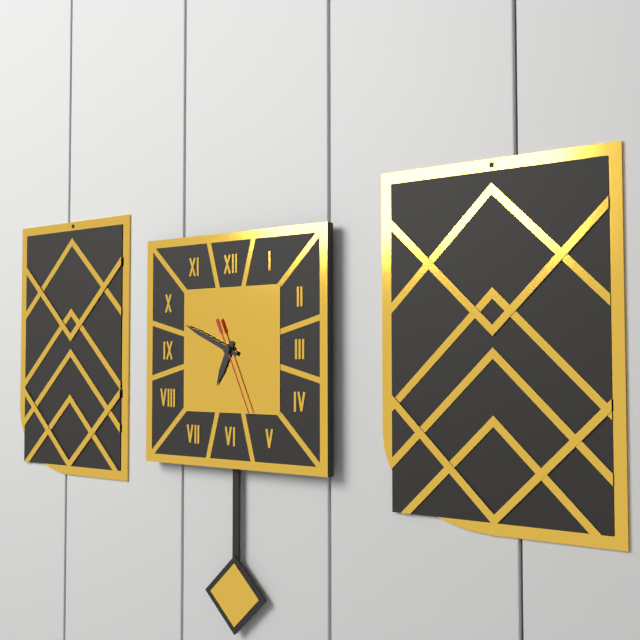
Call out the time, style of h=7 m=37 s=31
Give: h=6 m=49 s=26
